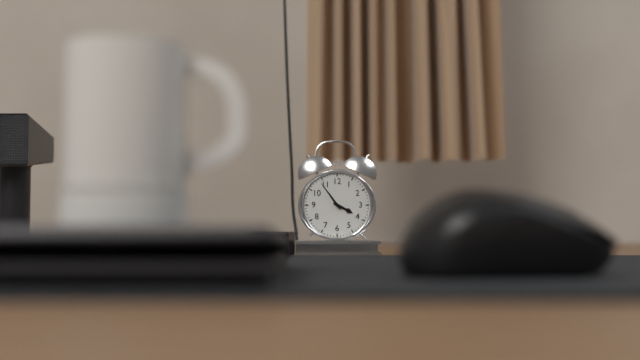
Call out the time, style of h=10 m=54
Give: h=3 m=54
